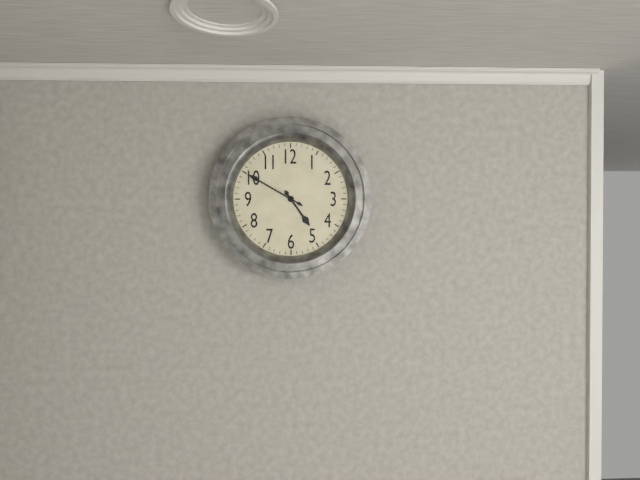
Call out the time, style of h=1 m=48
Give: h=4 m=50
